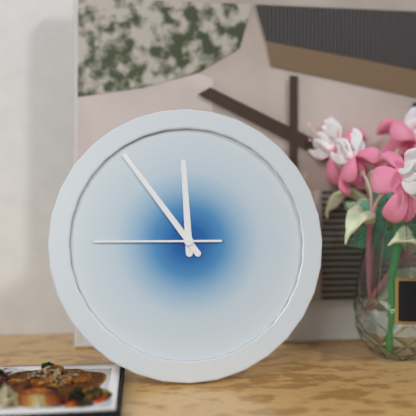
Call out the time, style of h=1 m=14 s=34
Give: h=11 m=54 s=45
